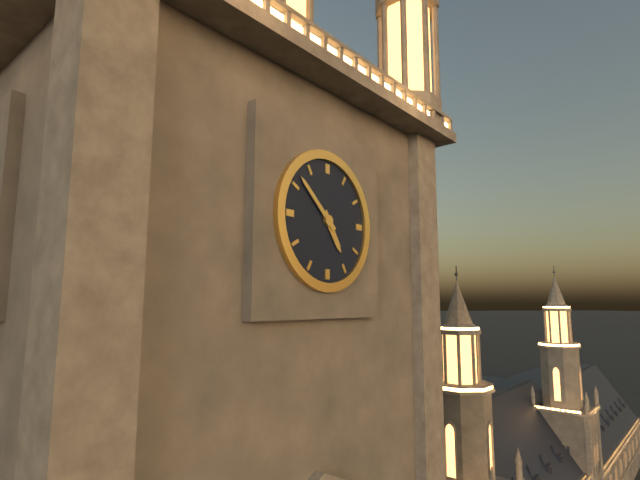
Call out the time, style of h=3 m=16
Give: h=4 m=52
